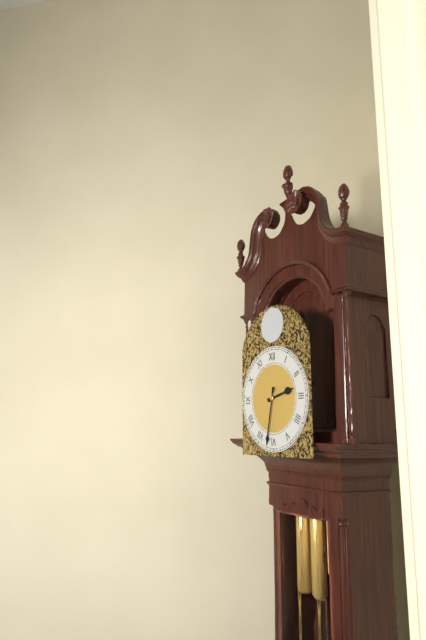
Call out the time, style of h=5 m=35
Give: h=2 m=32
